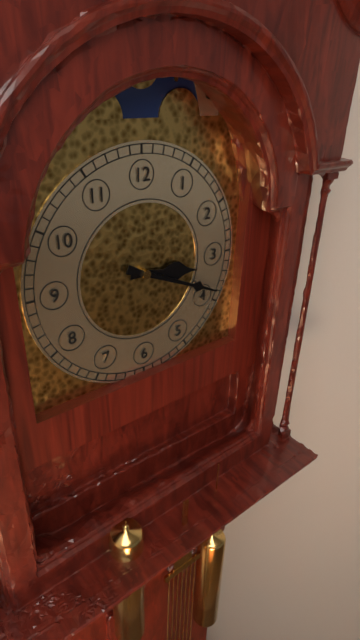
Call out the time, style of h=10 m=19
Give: h=3 m=19
